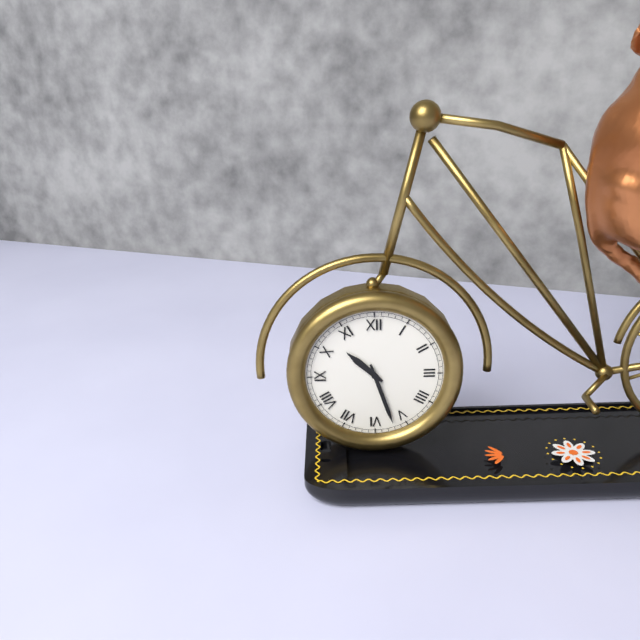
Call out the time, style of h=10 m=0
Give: h=10 m=27
